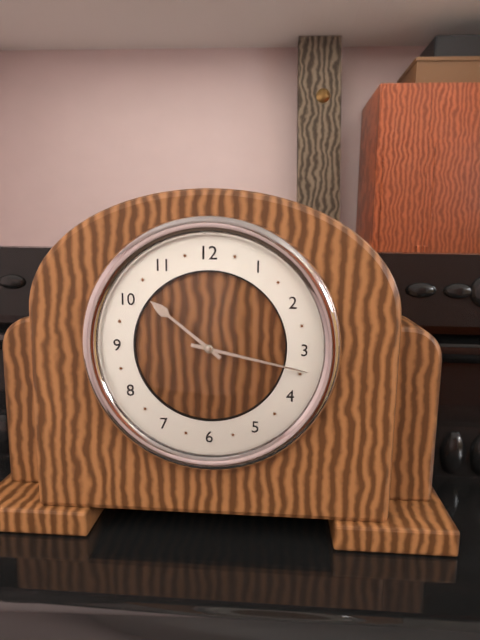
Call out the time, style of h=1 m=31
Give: h=10 m=17
